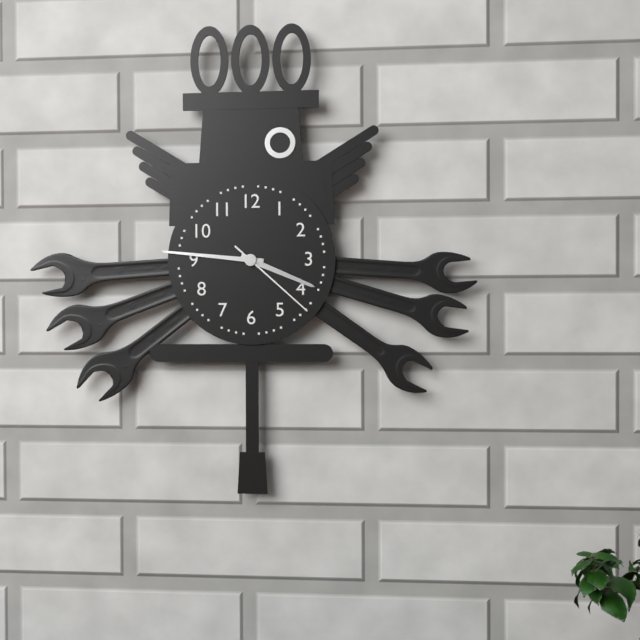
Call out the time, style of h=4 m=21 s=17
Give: h=3 m=46 s=22
